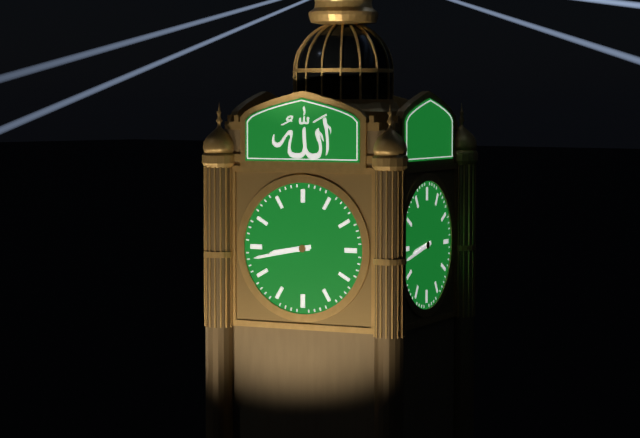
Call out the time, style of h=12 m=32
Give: h=8 m=43
